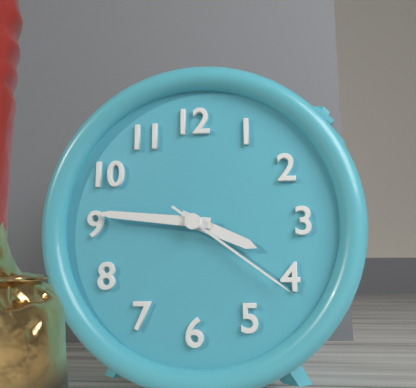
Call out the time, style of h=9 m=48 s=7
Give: h=3 m=46 s=21
